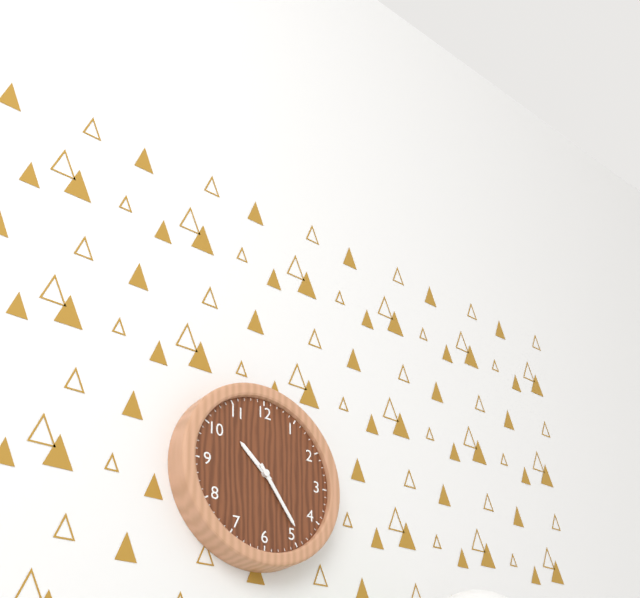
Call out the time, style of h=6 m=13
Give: h=10 m=24
